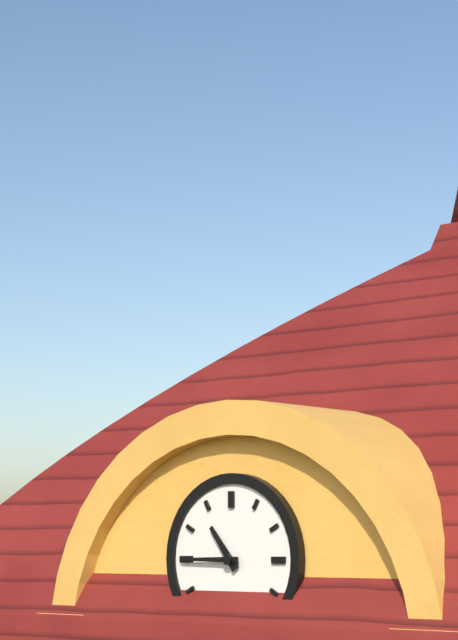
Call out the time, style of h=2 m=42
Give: h=10 m=45
